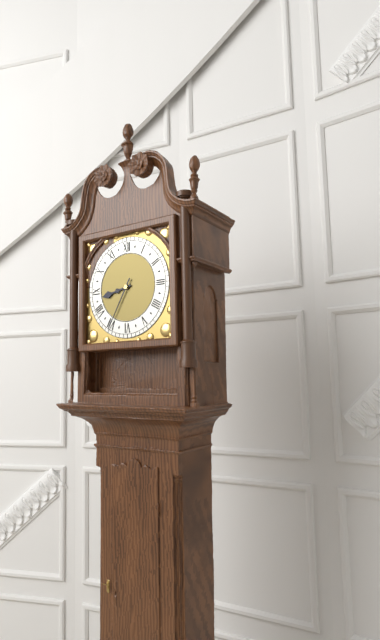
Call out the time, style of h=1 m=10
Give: h=8 m=35
